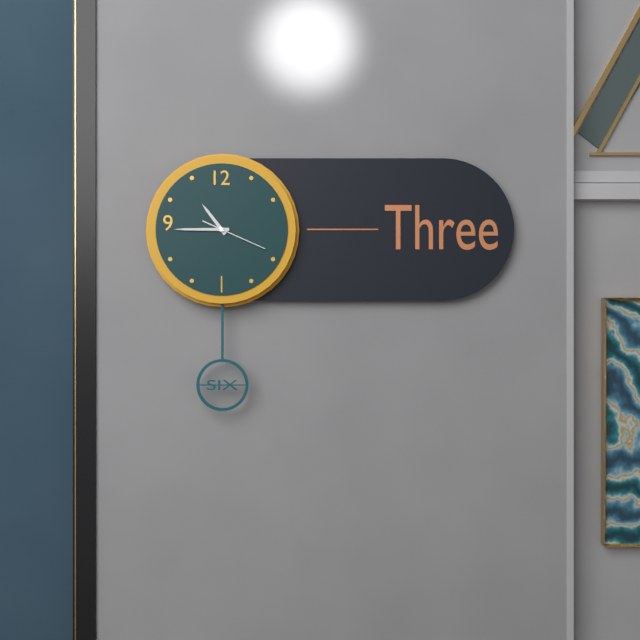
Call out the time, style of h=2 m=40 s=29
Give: h=10 m=45 s=19
